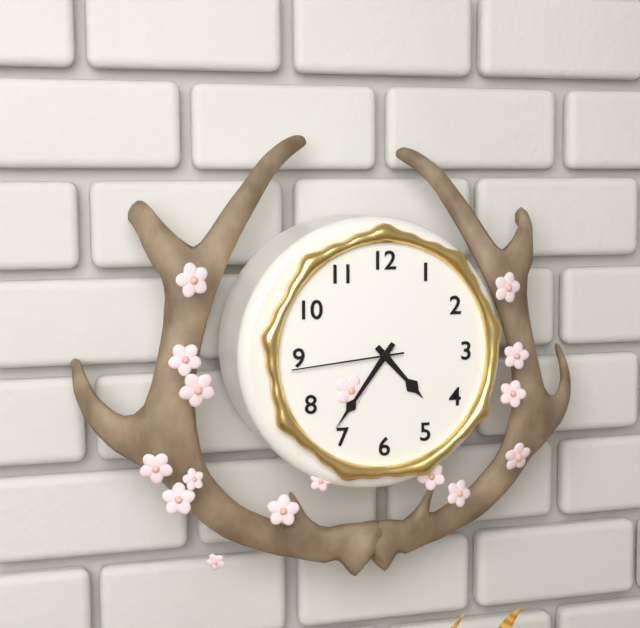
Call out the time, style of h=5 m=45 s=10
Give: h=4 m=36 s=44
